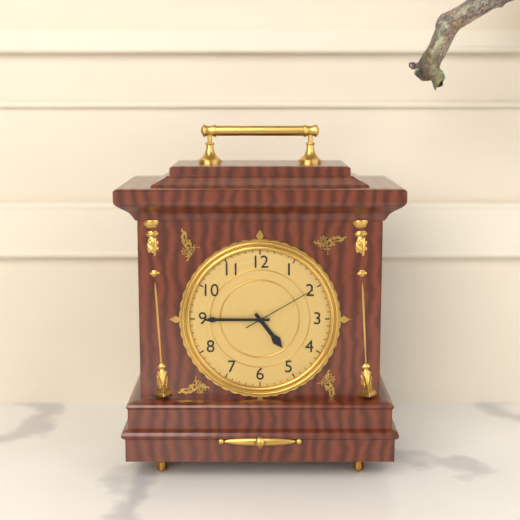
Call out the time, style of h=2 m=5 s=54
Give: h=4 m=45 s=10
